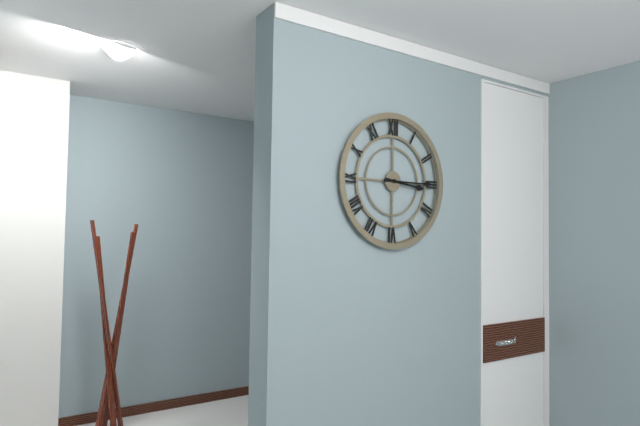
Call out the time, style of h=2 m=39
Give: h=3 m=15
